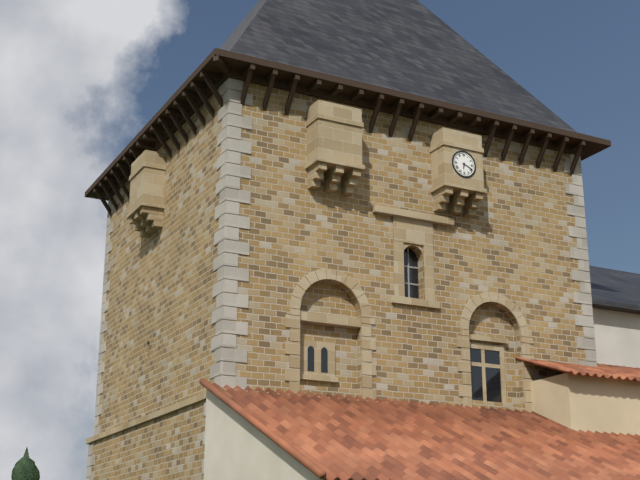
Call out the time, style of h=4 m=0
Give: h=6 m=19
